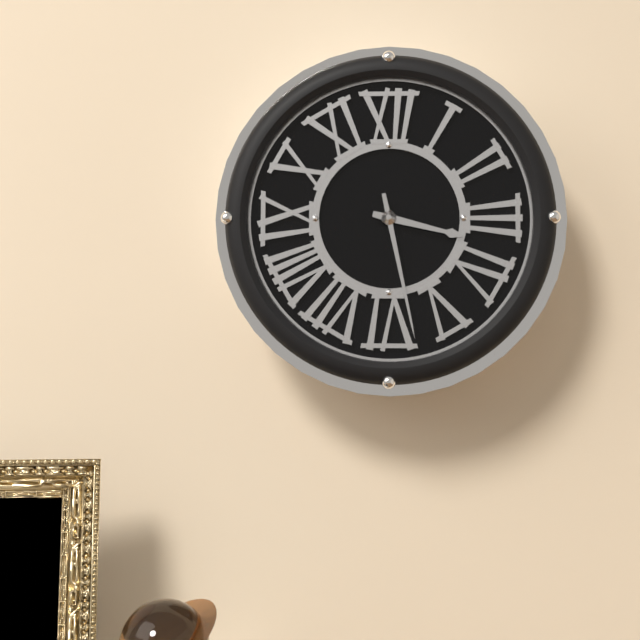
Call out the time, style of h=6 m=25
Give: h=3 m=28
